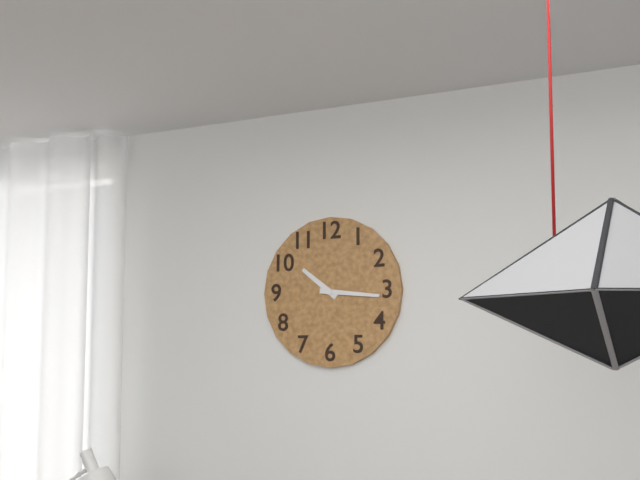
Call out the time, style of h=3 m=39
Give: h=10 m=16
